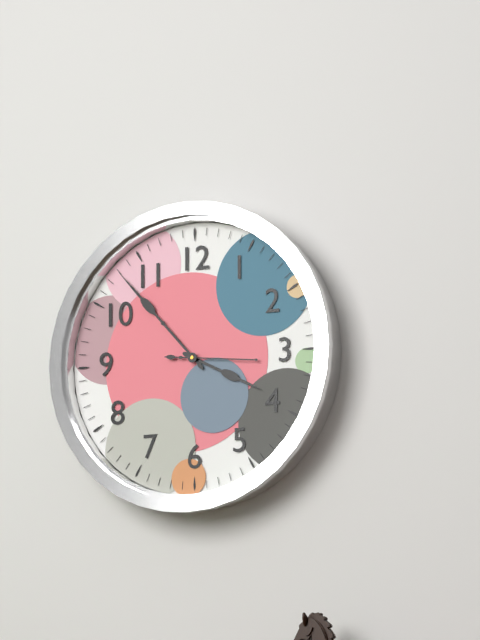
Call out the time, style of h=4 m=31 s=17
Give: h=3 m=53 s=16
